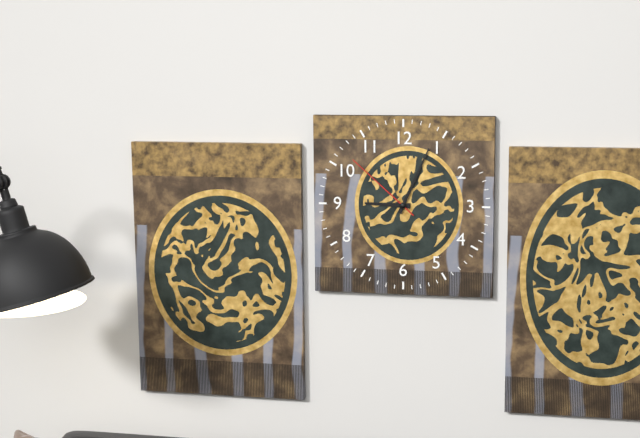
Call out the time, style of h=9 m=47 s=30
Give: h=9 m=4 s=52
